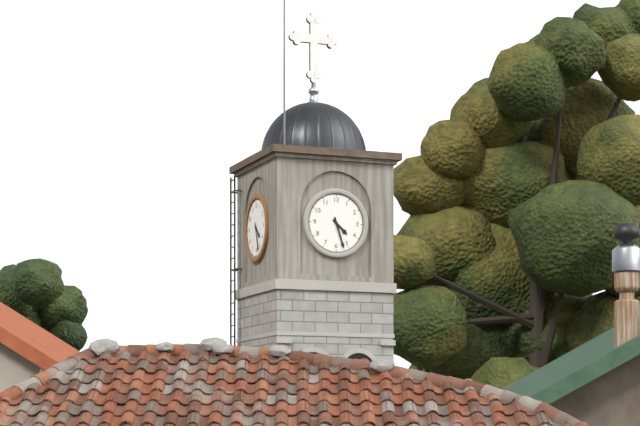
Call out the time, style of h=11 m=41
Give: h=4 m=27
